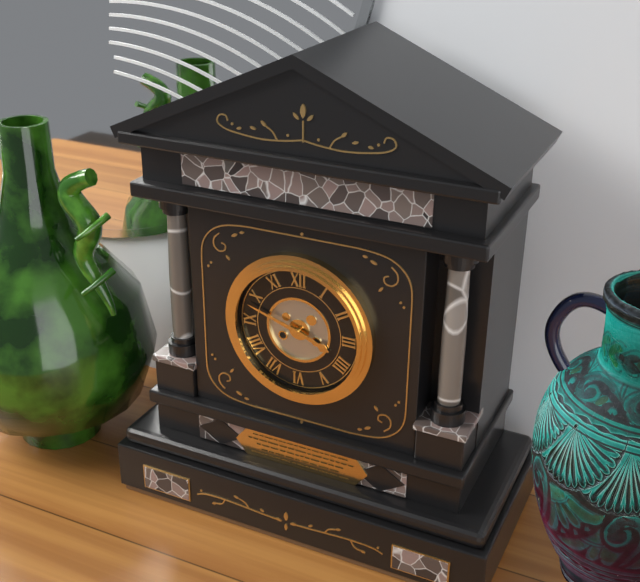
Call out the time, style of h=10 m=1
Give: h=3 m=48
